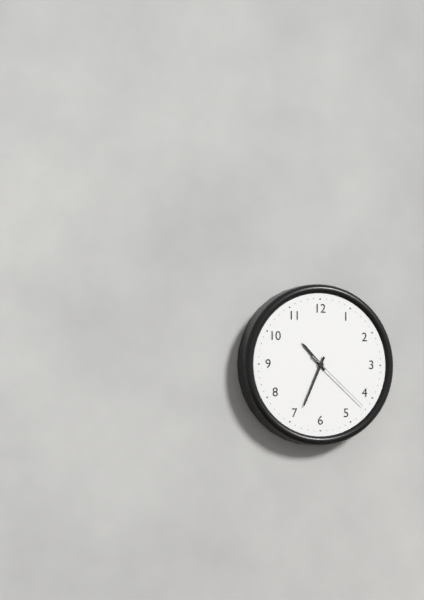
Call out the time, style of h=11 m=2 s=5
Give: h=10 m=34 s=22
